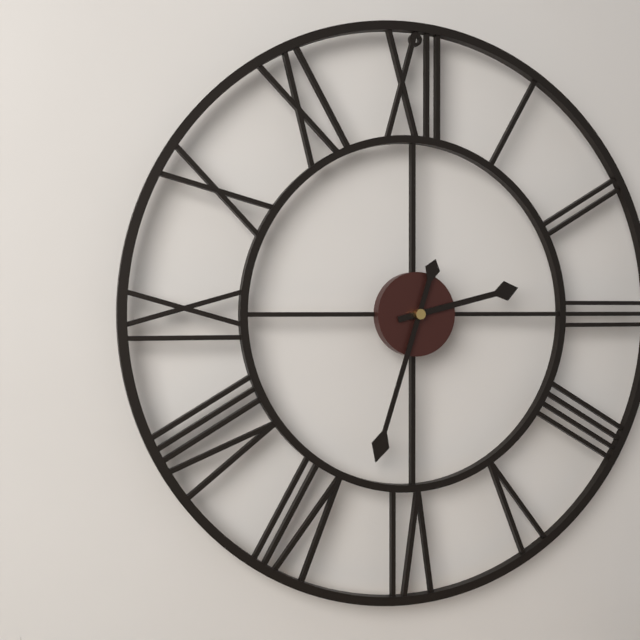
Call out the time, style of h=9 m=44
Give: h=2 m=33
